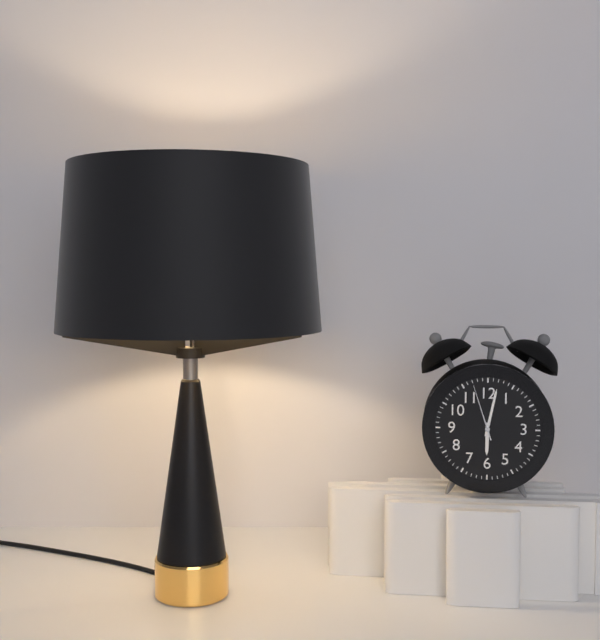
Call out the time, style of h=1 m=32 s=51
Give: h=6 m=2 s=57
